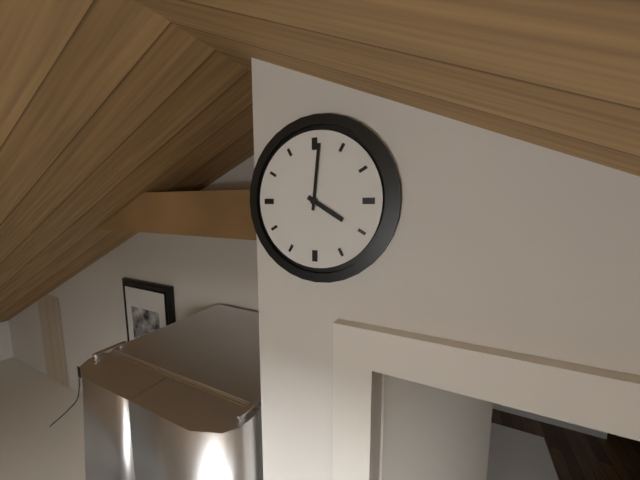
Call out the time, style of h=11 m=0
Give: h=4 m=1
